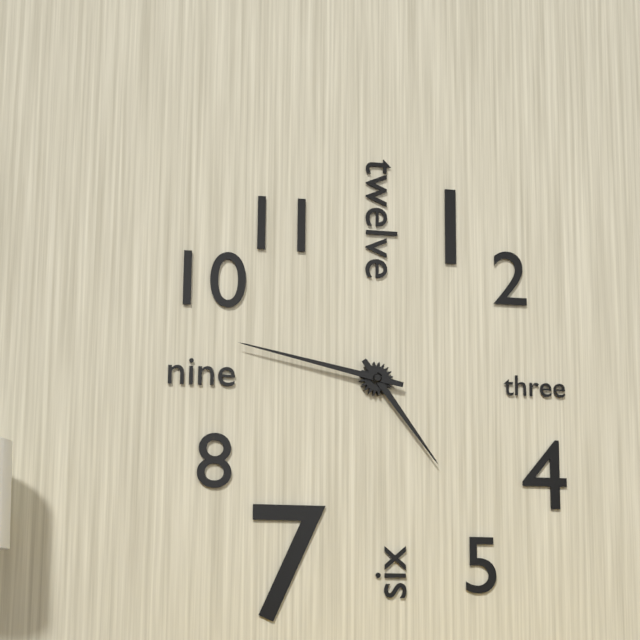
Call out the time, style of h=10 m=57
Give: h=4 m=47
